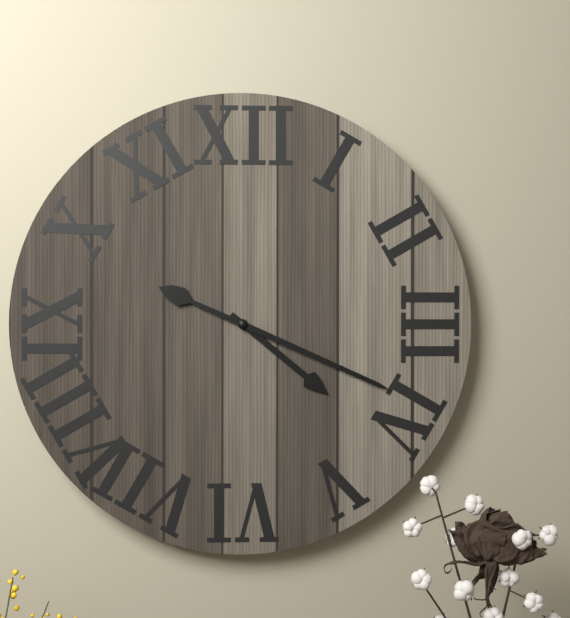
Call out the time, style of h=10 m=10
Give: h=4 m=19
